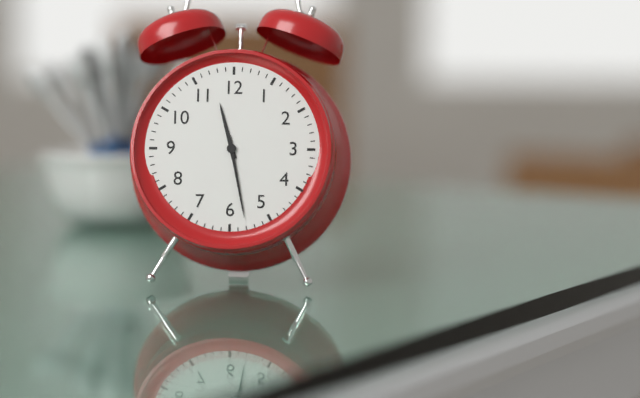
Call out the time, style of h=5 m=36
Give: h=11 m=28
